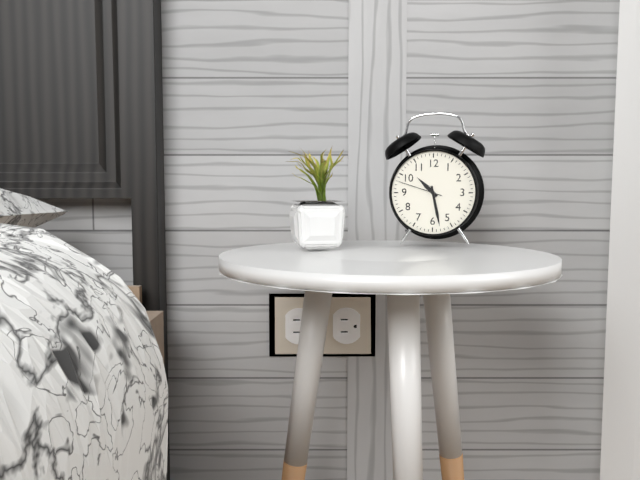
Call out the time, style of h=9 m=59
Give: h=10 m=28
